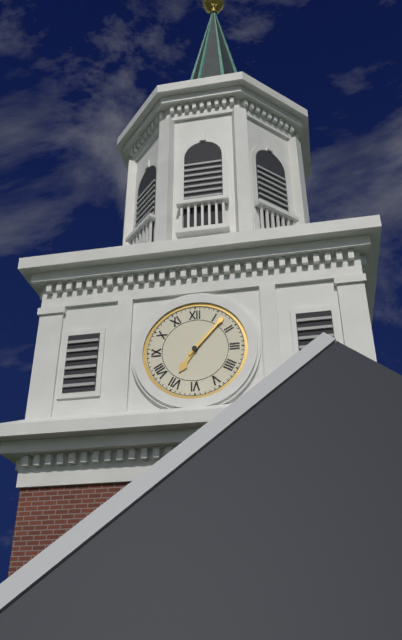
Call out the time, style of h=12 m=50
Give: h=7 m=7
